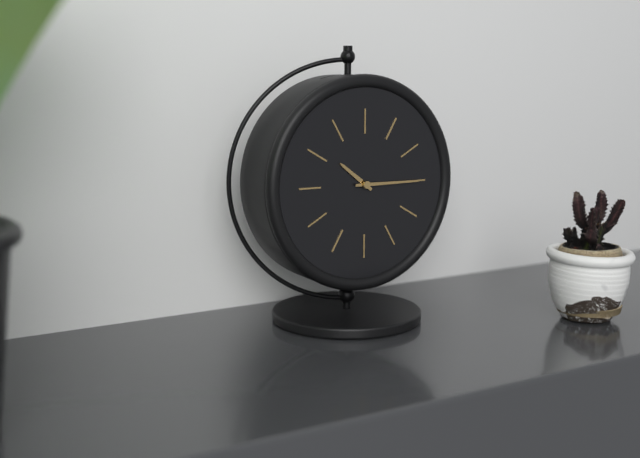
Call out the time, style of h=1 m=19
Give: h=10 m=15
